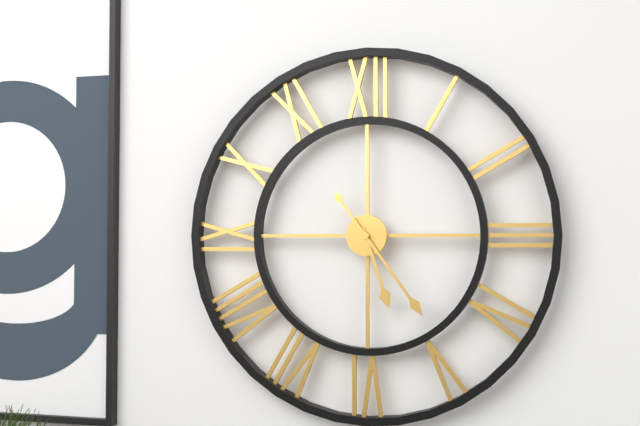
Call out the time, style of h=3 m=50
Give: h=5 m=24
